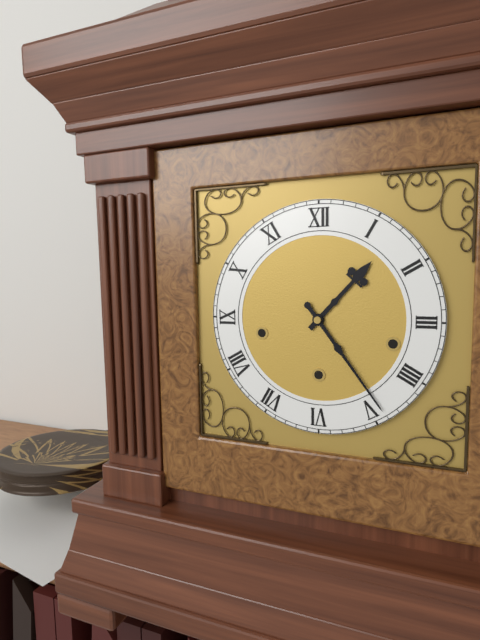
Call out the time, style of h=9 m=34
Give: h=1 m=24
